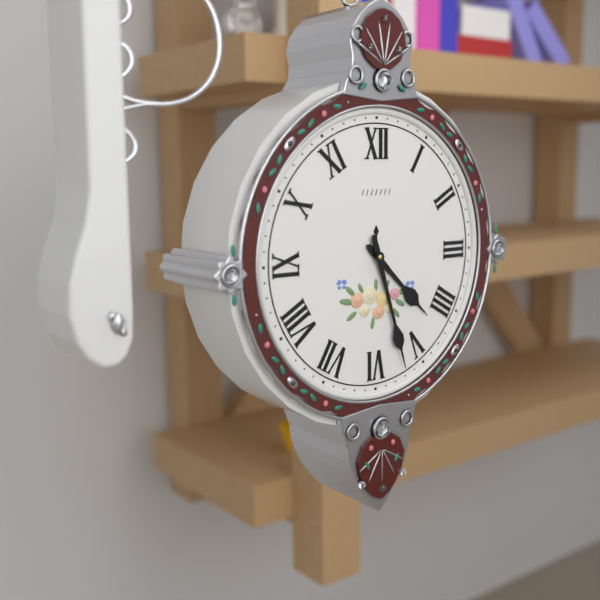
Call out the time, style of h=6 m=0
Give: h=4 m=27
